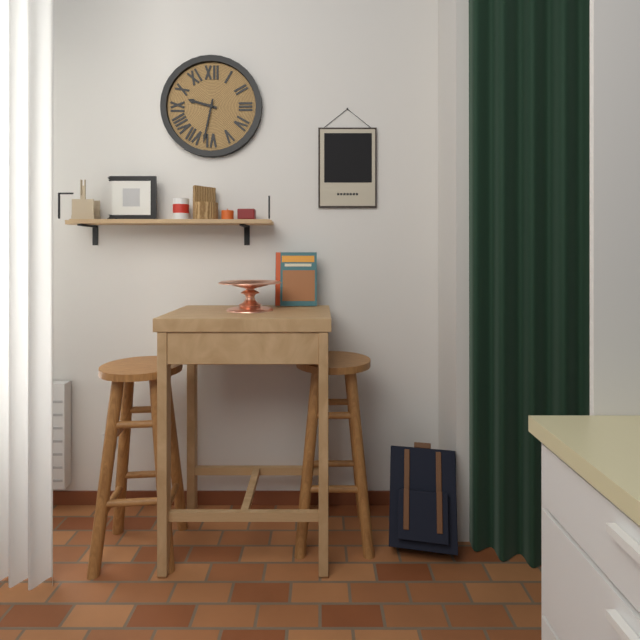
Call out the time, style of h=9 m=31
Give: h=9 m=32
